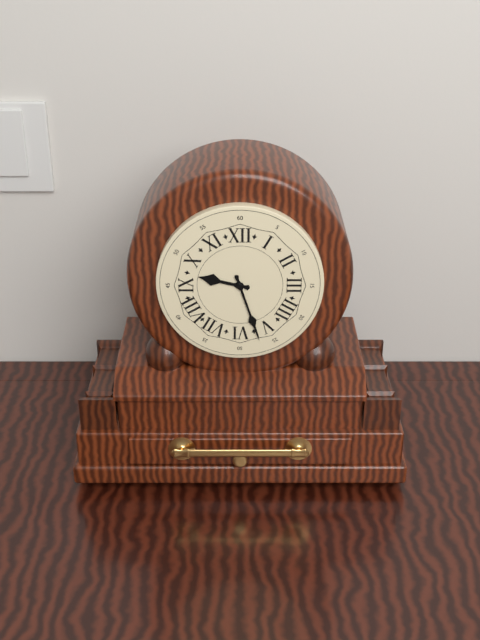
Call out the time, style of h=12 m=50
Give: h=9 m=27
